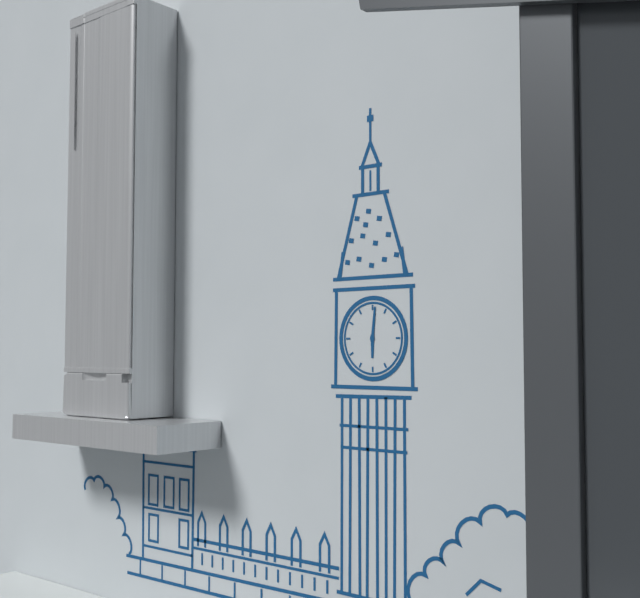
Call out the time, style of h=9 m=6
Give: h=6 m=1
